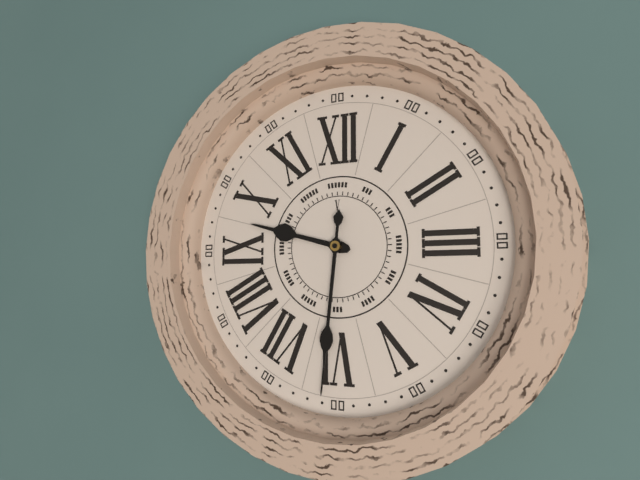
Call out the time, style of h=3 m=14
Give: h=9 m=31
